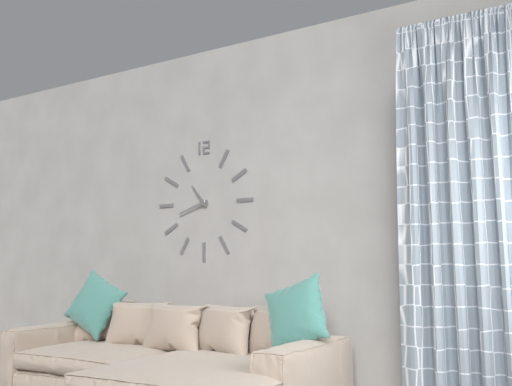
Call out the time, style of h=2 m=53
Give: h=10 m=42
